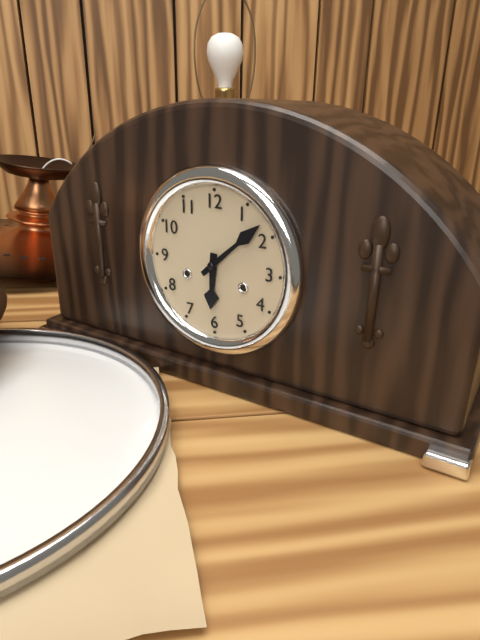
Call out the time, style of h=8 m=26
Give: h=6 m=8
